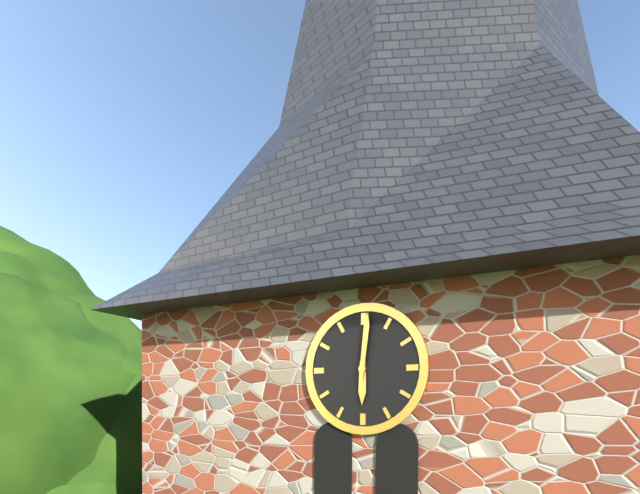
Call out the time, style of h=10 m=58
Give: h=6 m=1
